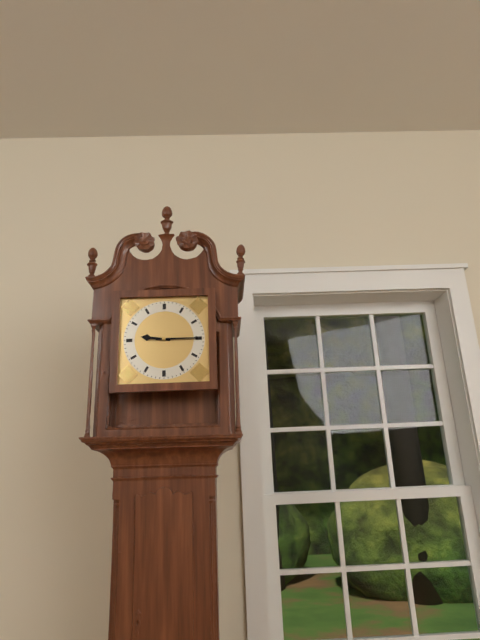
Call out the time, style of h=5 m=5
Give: h=9 m=15
